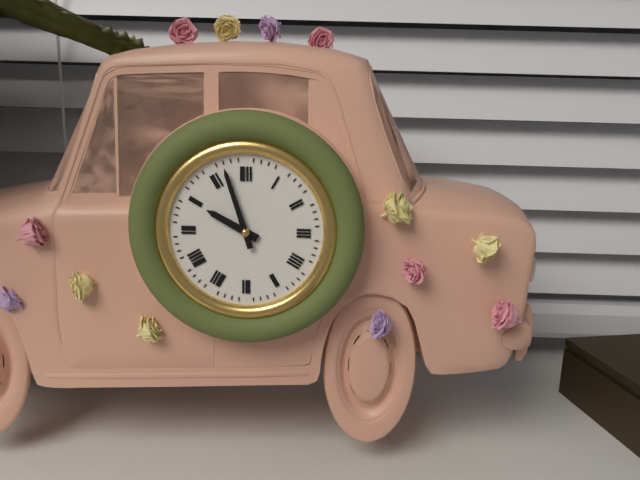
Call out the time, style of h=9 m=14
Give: h=9 m=57
